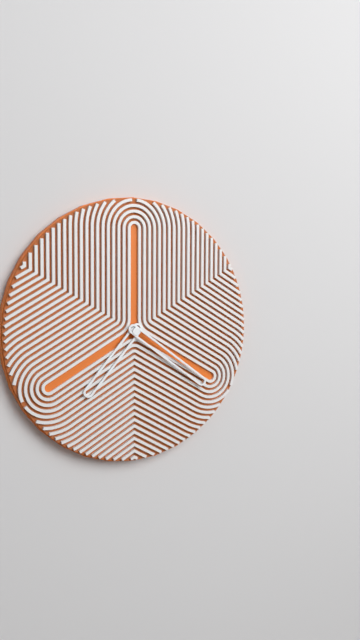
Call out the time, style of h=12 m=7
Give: h=7 m=21
